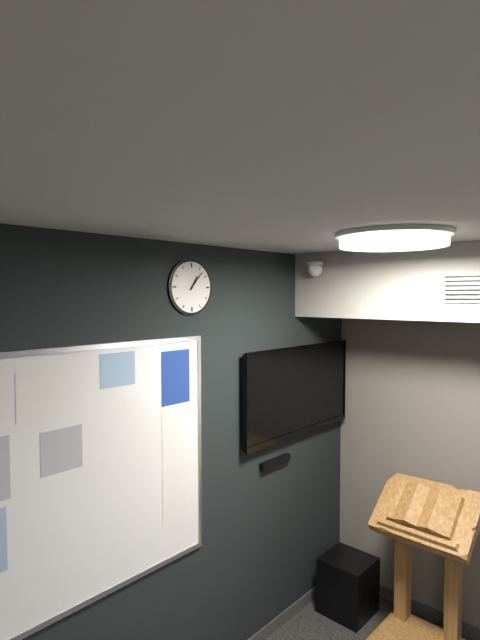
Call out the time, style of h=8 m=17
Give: h=1 m=7
